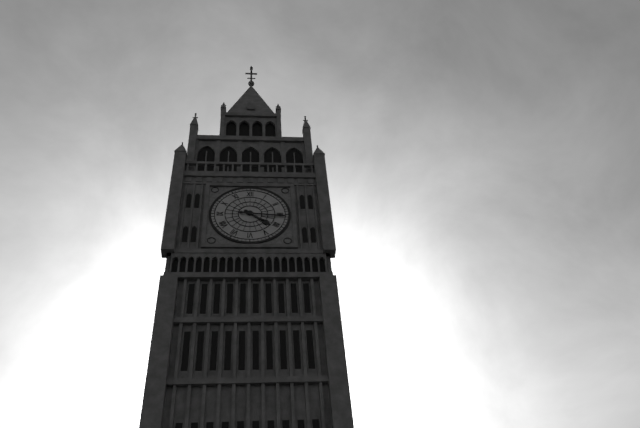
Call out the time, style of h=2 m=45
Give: h=4 m=16
